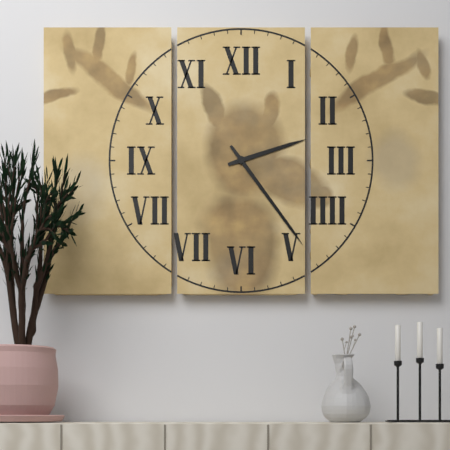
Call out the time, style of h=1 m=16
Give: h=2 m=24
